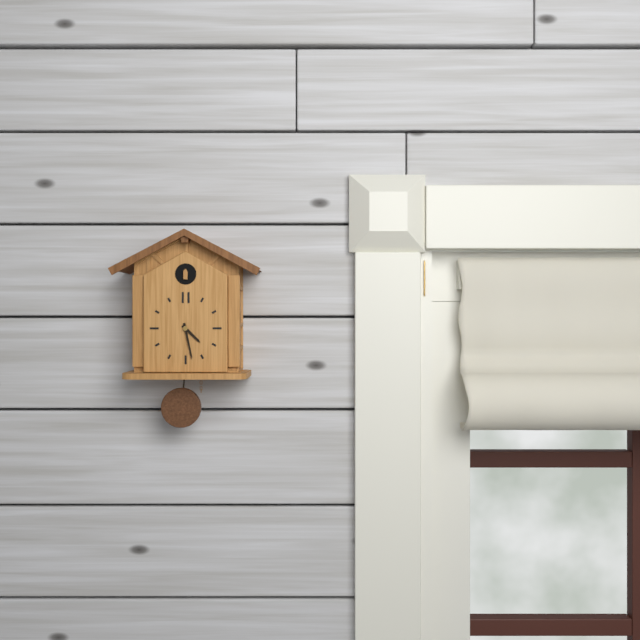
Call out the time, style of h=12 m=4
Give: h=4 m=28
